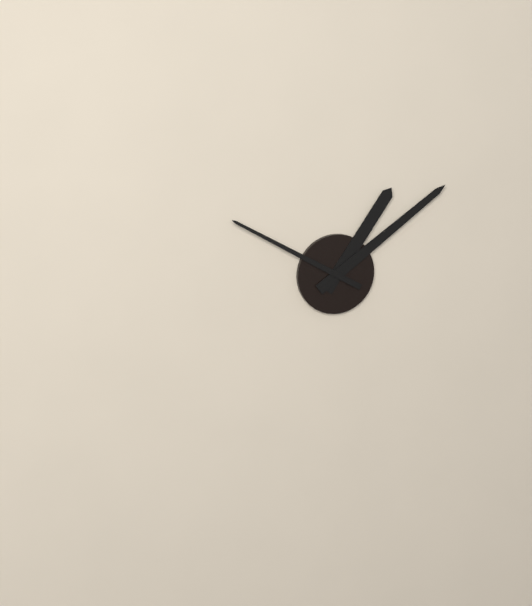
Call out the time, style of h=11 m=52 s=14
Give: h=1 m=9 s=50
